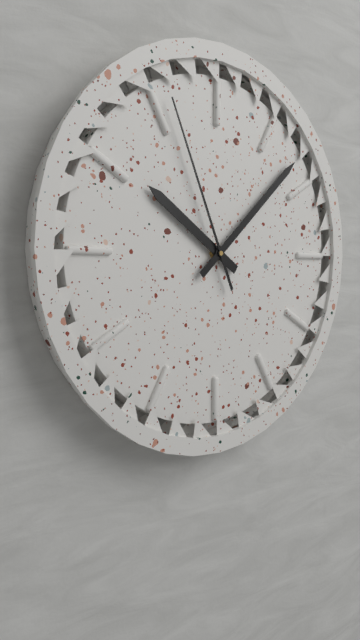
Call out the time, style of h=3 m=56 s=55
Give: h=10 m=8 s=56
